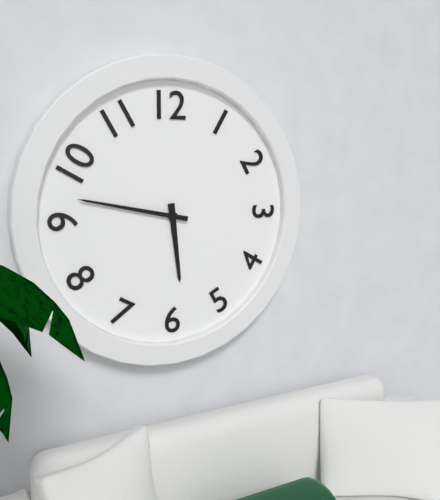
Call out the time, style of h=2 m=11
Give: h=5 m=47
